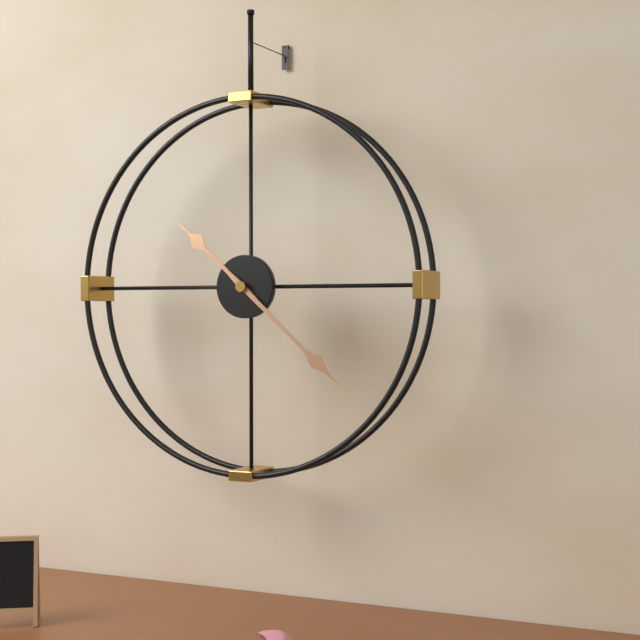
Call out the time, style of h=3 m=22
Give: h=10 m=22
